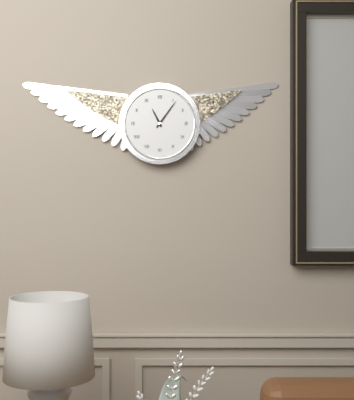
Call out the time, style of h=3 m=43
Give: h=11 m=6
